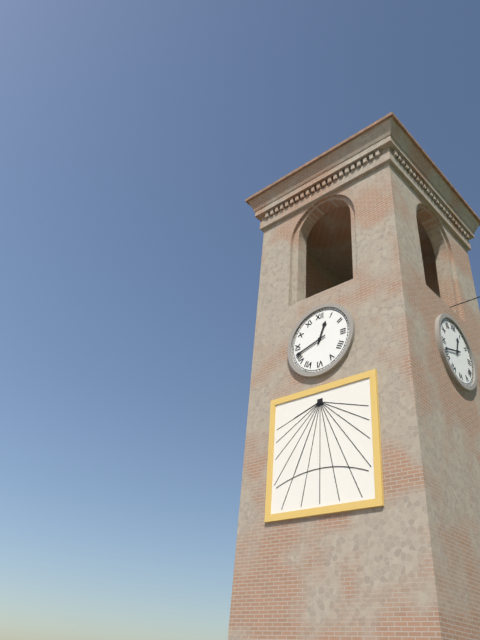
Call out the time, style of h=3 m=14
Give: h=12 m=42
